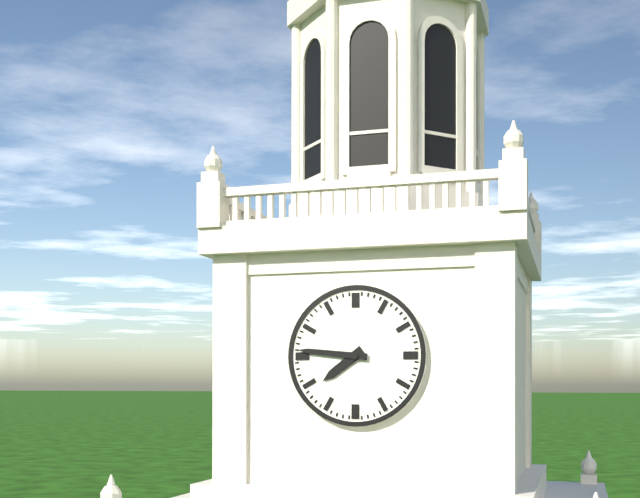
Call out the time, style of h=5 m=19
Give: h=7 m=46
